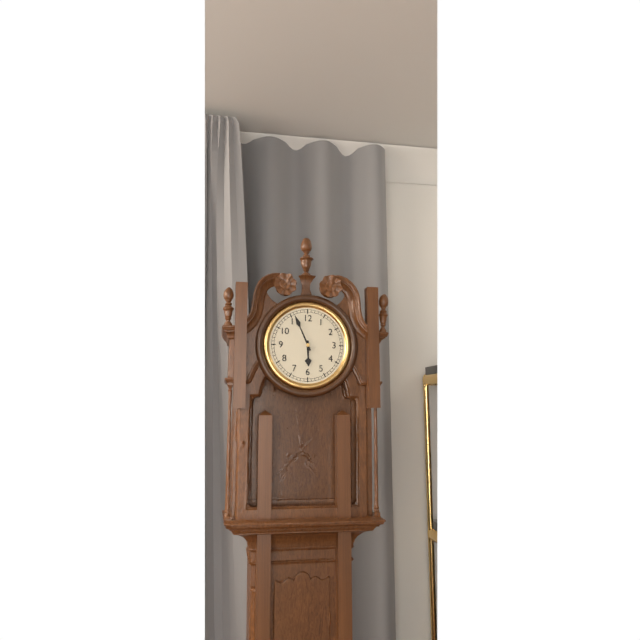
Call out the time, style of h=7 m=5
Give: h=5 m=56
